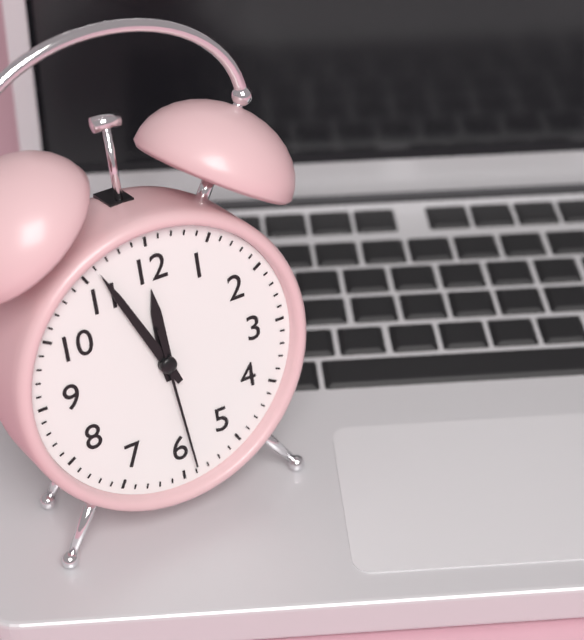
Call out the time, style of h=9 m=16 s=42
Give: h=11 m=56 s=29
